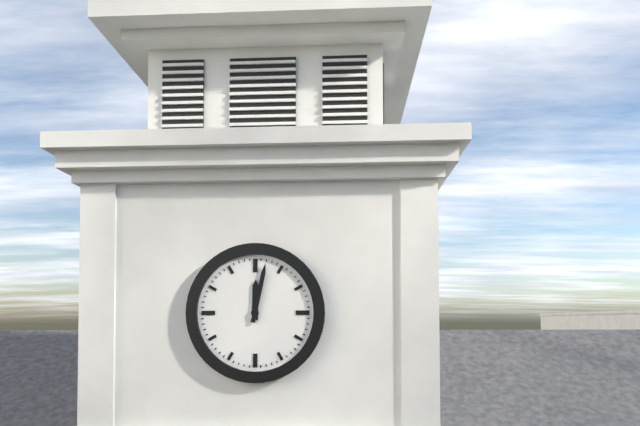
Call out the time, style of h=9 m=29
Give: h=12 m=2
